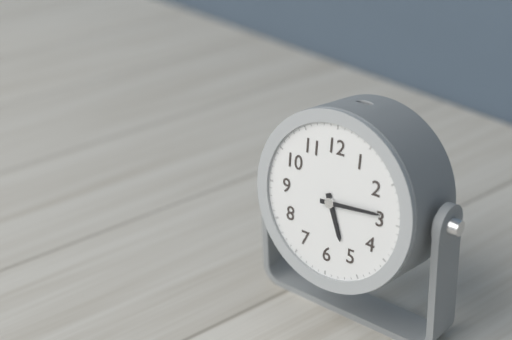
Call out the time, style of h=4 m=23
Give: h=5 m=14
